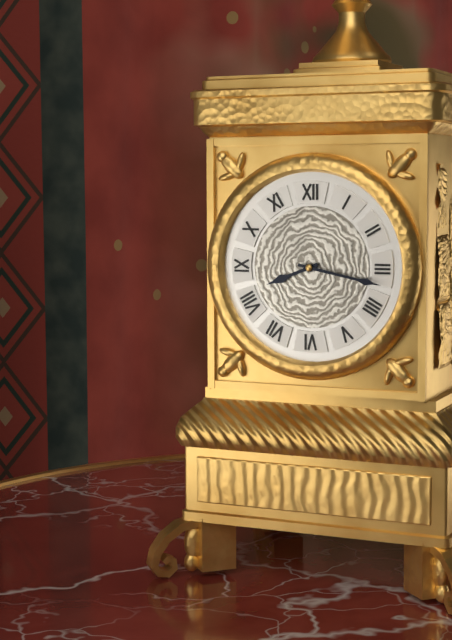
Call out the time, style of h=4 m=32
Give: h=8 m=17
